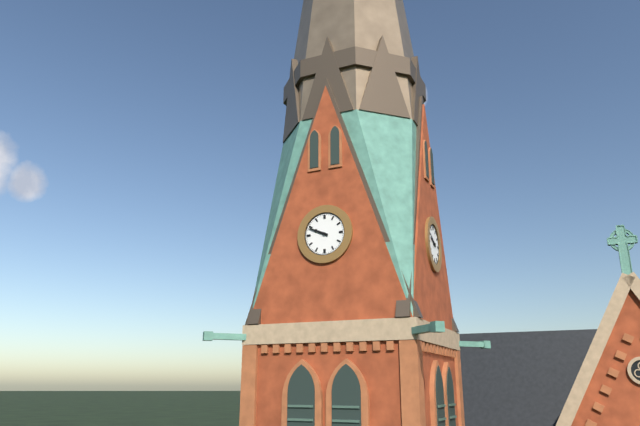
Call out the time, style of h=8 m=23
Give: h=9 m=49
